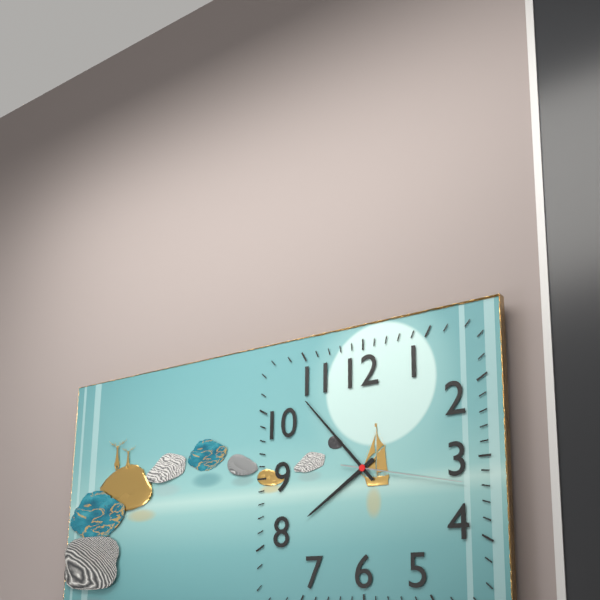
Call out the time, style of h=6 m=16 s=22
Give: h=7 m=53 s=17
